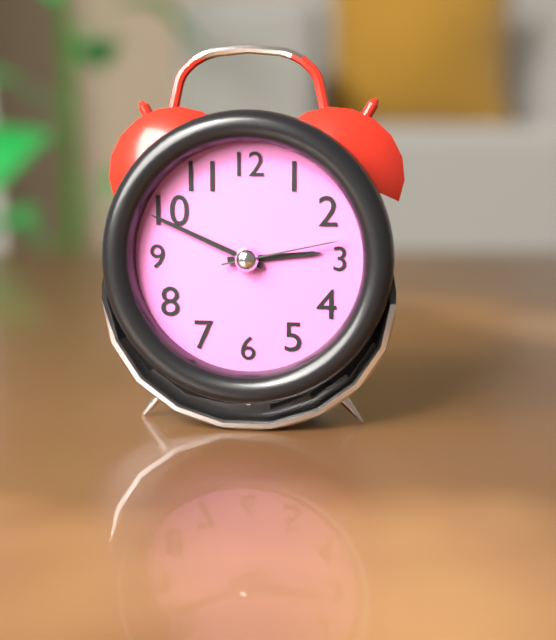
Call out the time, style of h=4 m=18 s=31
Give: h=2 m=49 s=13
